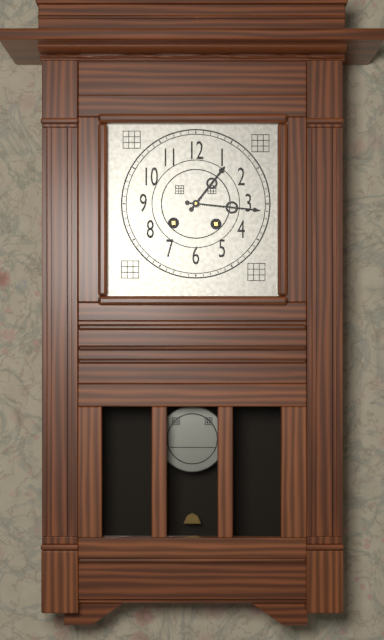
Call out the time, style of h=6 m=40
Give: h=1 m=16
